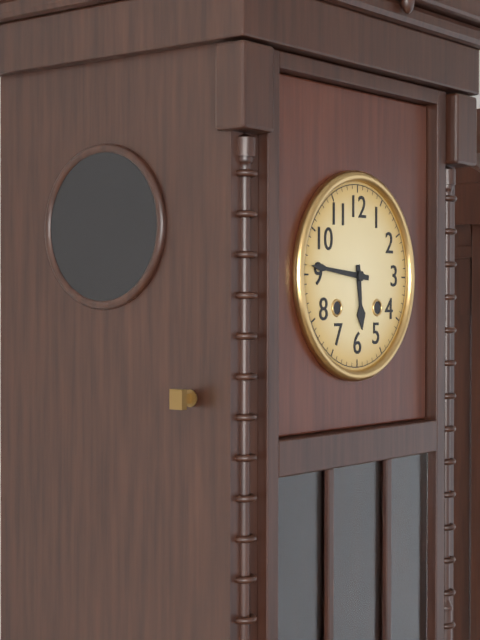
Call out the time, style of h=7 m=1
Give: h=5 m=46
